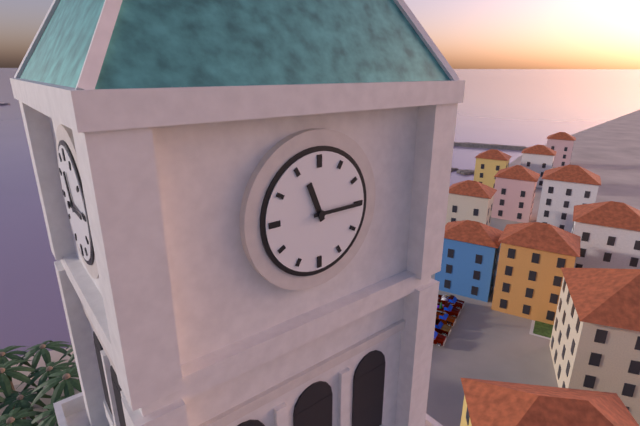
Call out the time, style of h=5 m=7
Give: h=11 m=15
